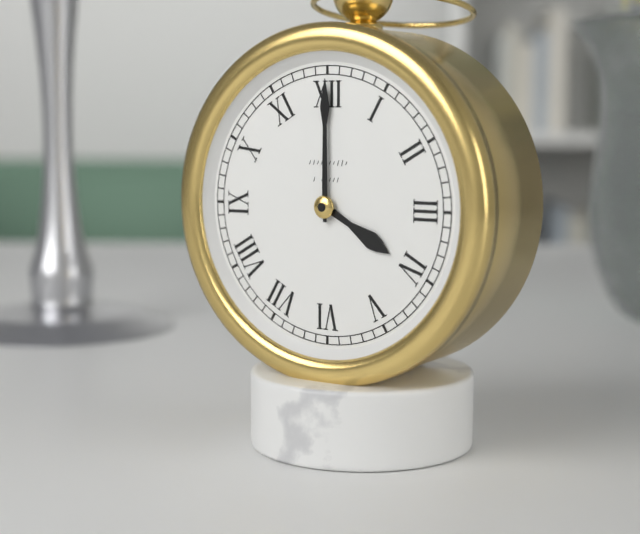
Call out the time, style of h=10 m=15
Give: h=4 m=0
